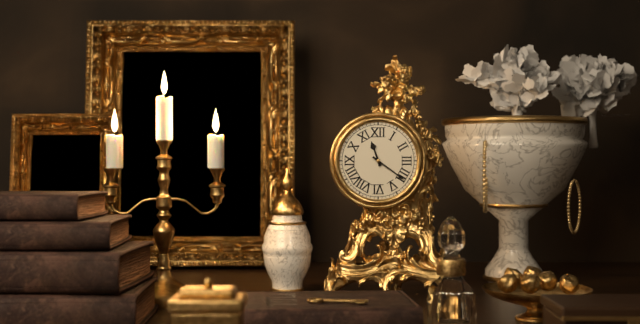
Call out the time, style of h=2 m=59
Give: h=11 m=21
